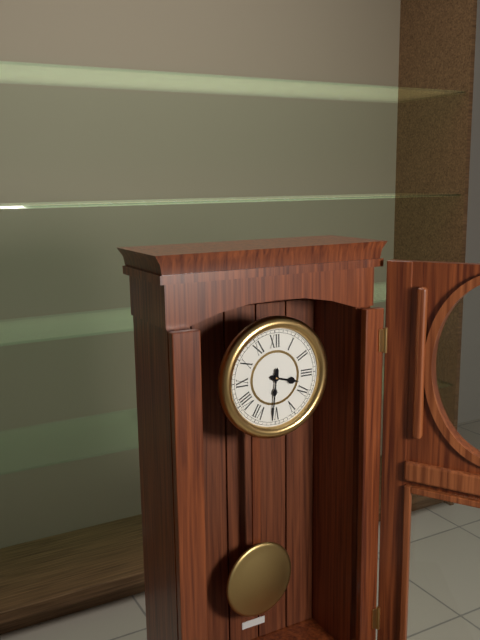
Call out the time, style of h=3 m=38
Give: h=3 m=31
